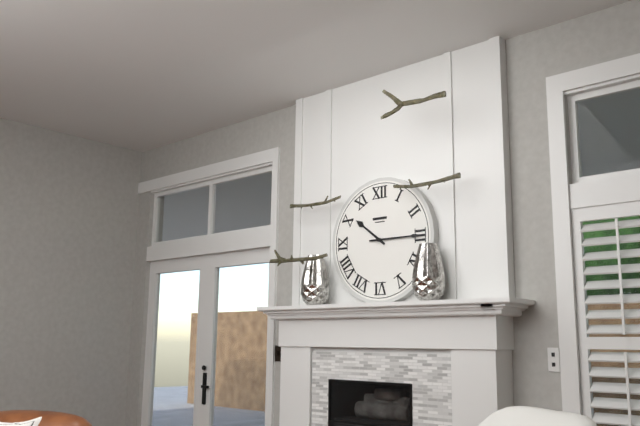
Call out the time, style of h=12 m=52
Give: h=10 m=15
